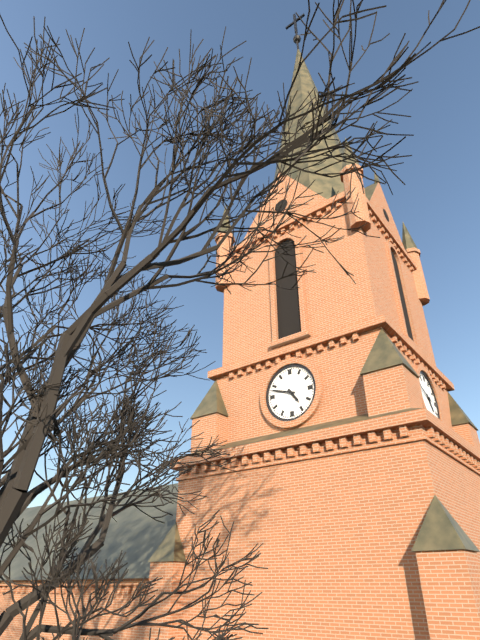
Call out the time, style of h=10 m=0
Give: h=4 m=48
